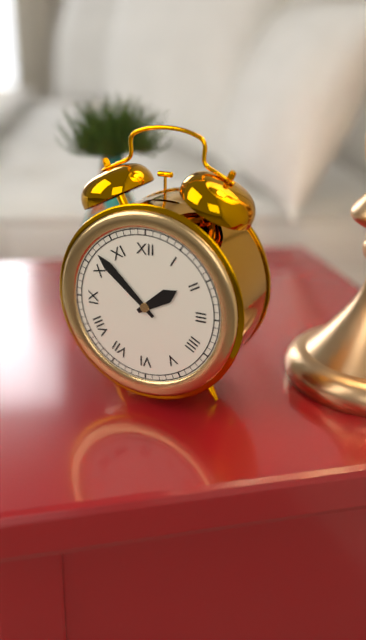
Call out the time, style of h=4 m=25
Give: h=1 m=52
